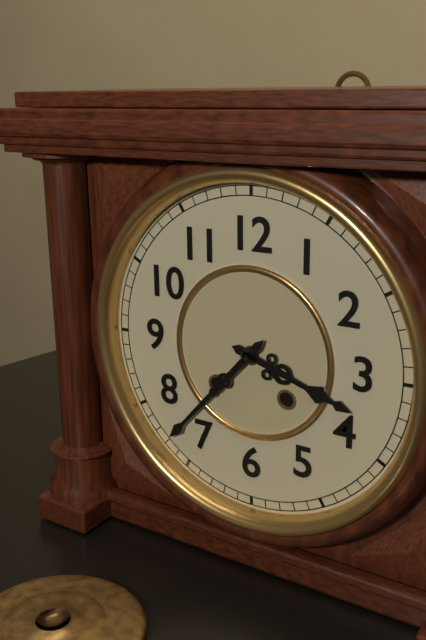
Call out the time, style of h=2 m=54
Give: h=3 m=37
